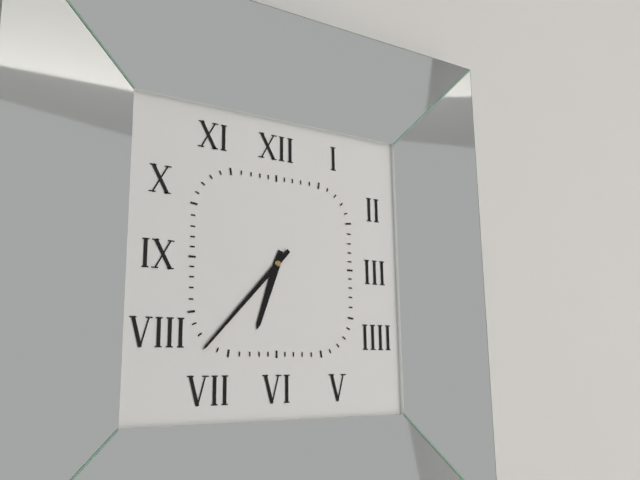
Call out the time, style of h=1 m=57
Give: h=6 m=37
